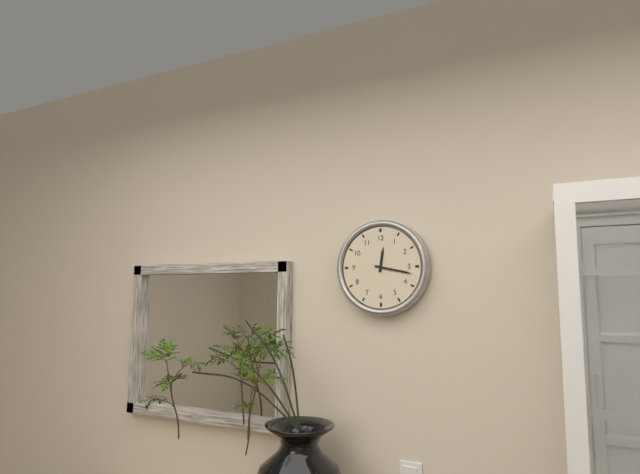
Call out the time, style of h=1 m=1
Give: h=12 m=17
